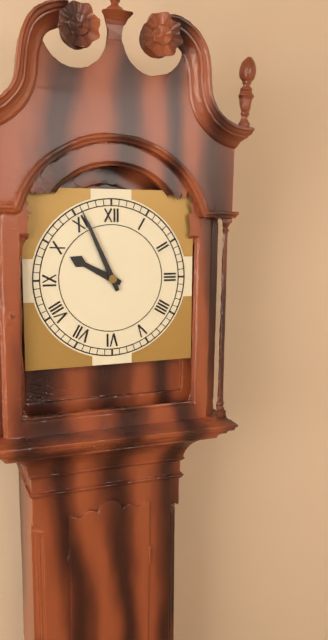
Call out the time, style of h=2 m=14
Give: h=9 m=56
